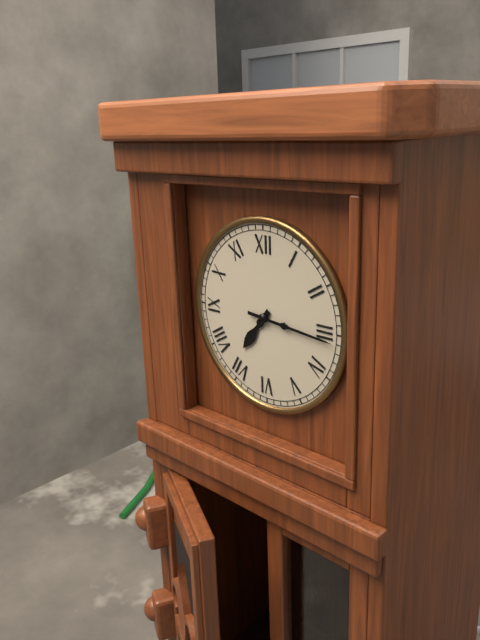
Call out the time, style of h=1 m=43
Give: h=7 m=16
